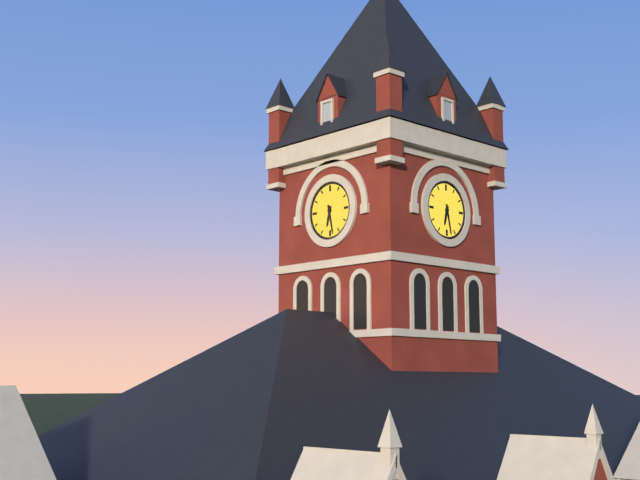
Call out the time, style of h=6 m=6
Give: h=6 m=28
